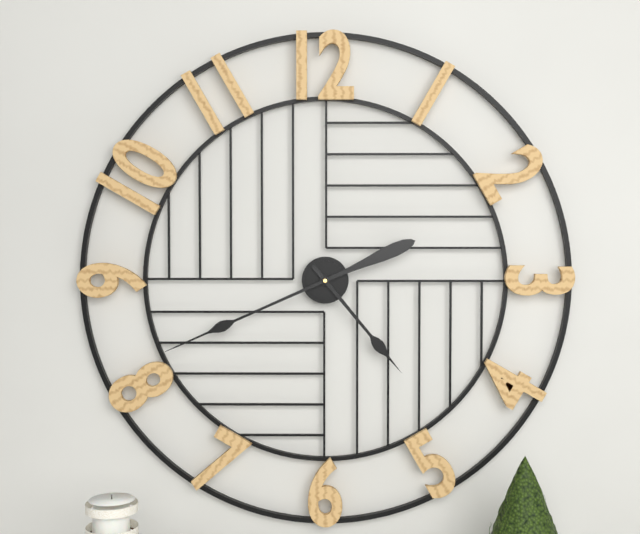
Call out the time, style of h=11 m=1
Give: h=4 m=41
